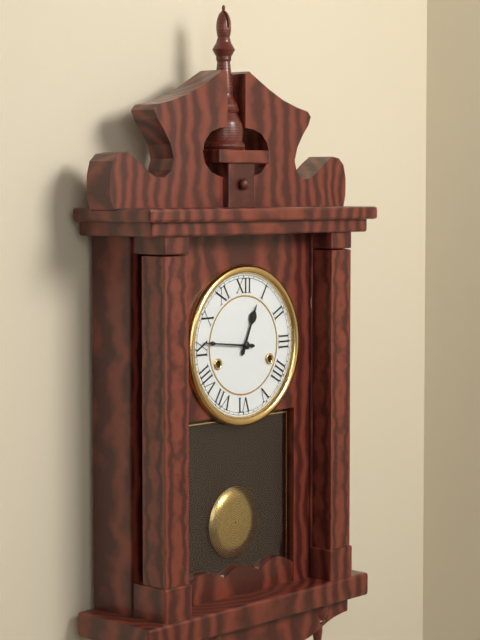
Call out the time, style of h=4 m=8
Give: h=12 m=46
